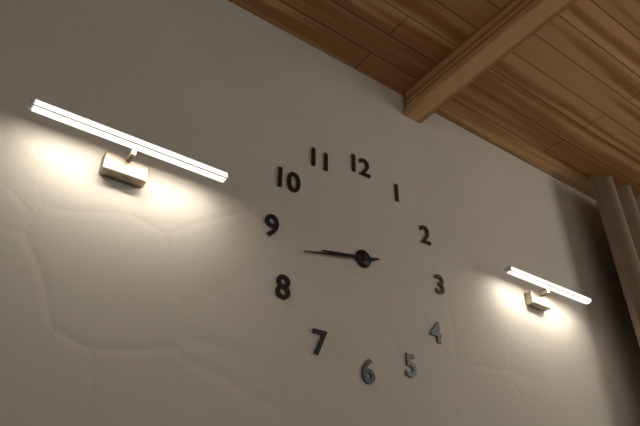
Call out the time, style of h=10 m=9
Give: h=8 m=43
